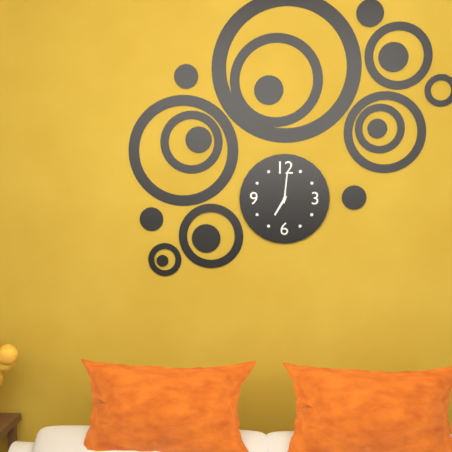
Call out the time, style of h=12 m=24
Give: h=7 m=1
